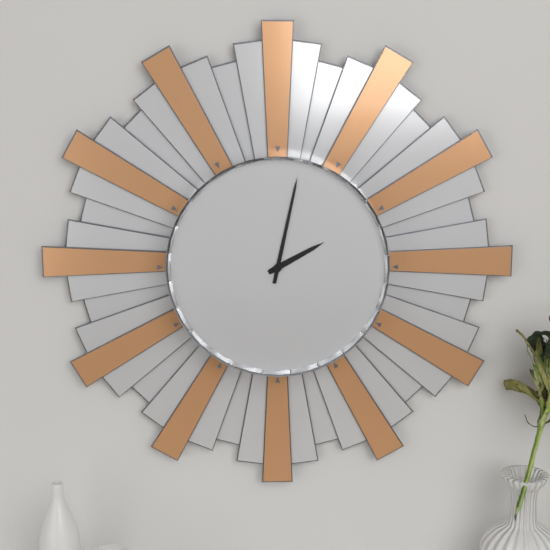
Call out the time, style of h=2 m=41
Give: h=2 m=2
